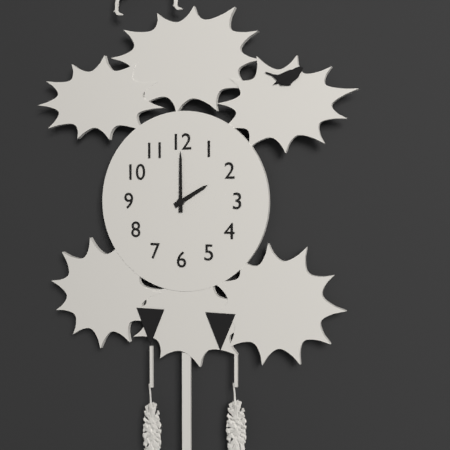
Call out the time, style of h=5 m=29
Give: h=2 m=0
